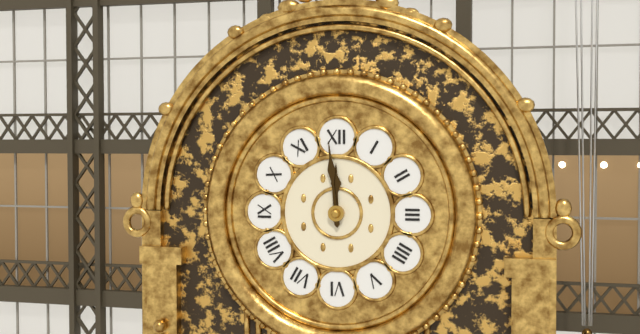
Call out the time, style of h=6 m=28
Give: h=11 m=59
